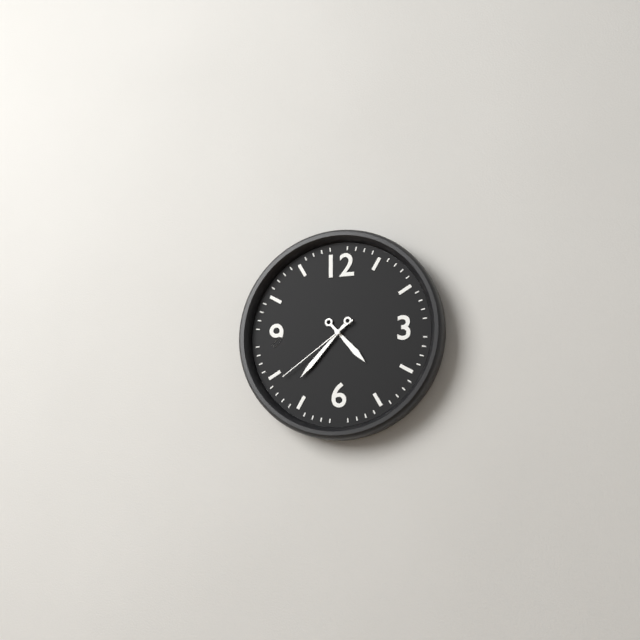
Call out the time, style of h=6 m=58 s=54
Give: h=4 m=37 s=39
